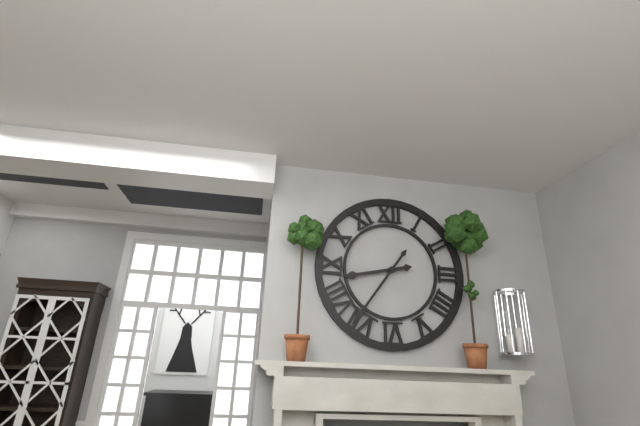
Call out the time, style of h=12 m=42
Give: h=8 m=36
